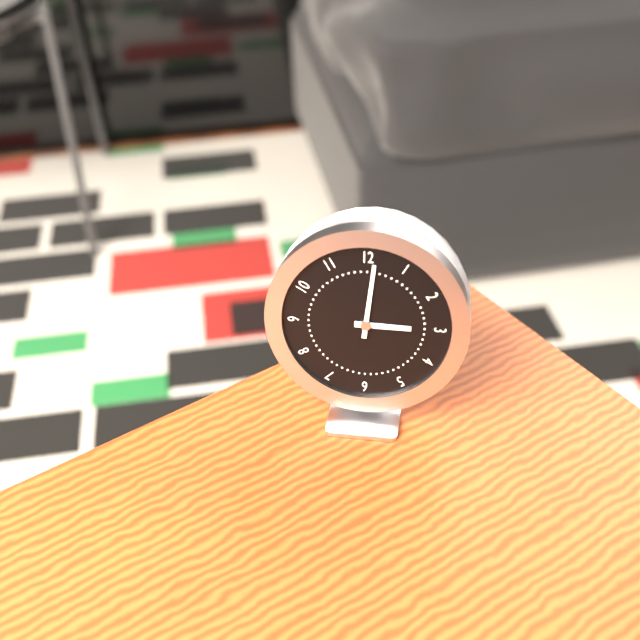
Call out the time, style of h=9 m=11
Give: h=3 m=1
